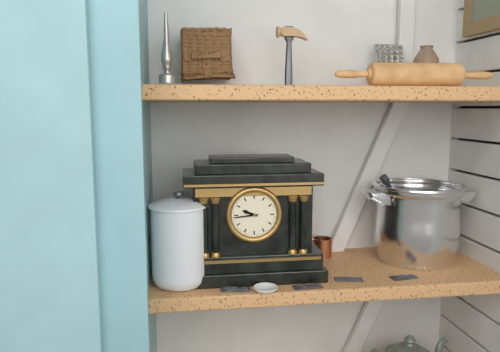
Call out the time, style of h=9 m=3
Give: h=9 m=44
